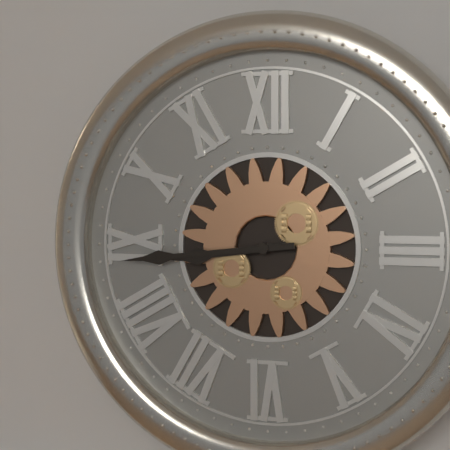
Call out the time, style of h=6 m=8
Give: h=8 m=44
